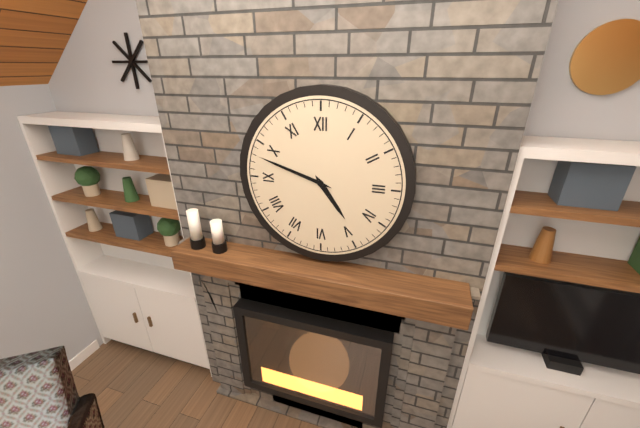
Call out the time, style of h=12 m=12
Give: h=4 m=48
